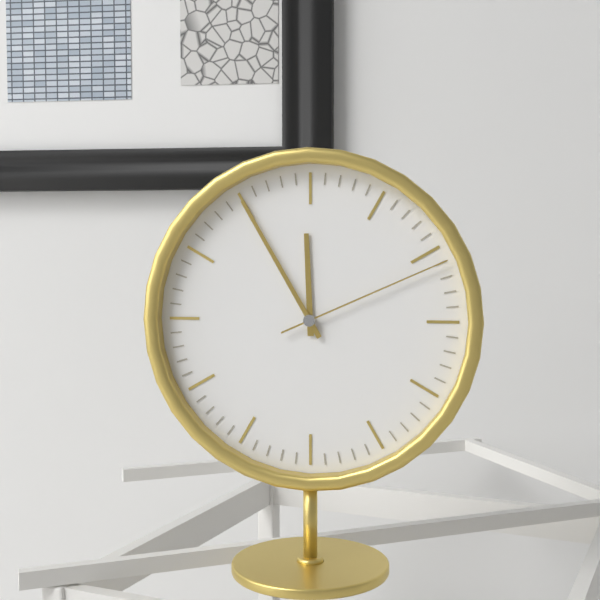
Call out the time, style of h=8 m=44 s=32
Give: h=11 m=55 s=11
